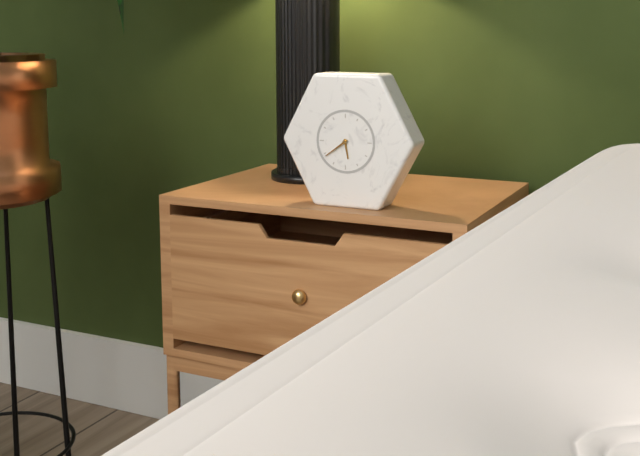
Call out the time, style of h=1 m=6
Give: h=5 m=39
